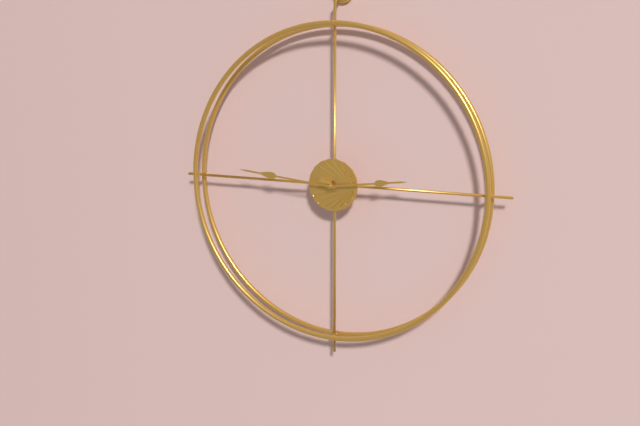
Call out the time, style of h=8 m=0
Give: h=2 m=46
